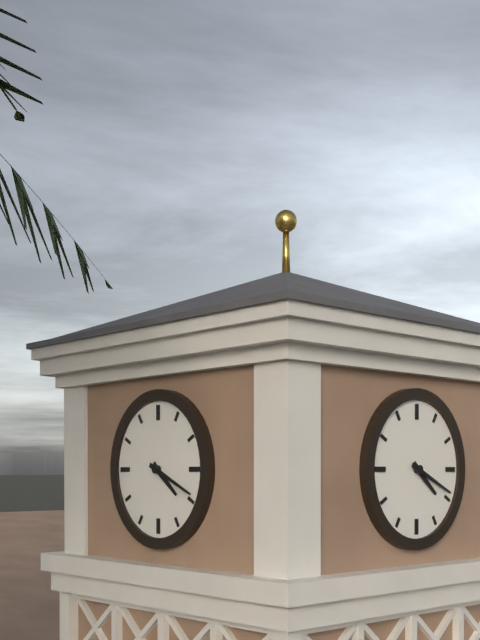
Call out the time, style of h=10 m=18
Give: h=4 m=19
